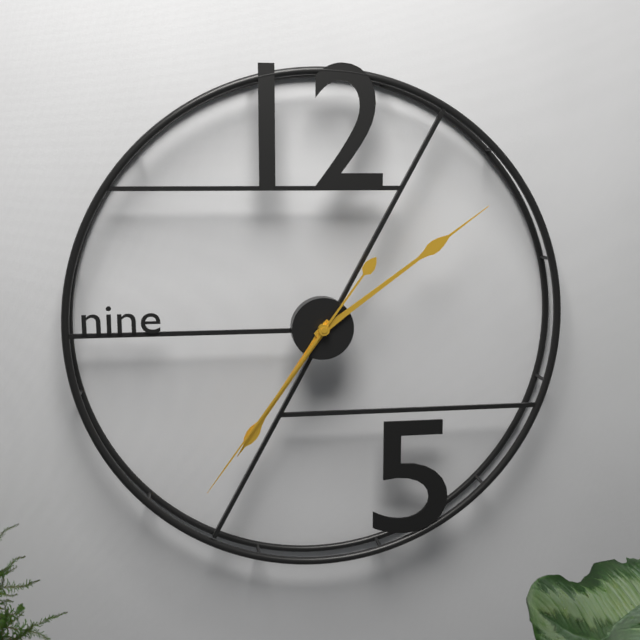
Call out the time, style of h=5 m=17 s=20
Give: h=7 m=9 s=36
